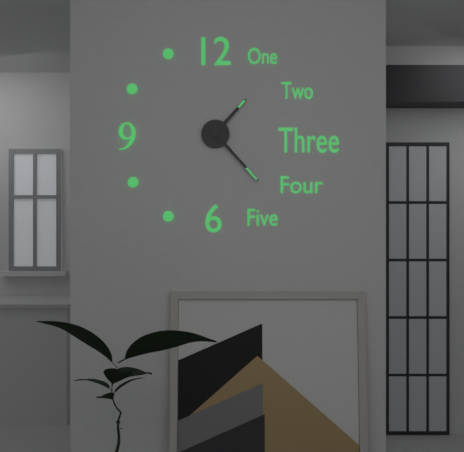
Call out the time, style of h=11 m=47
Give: h=1 m=23
